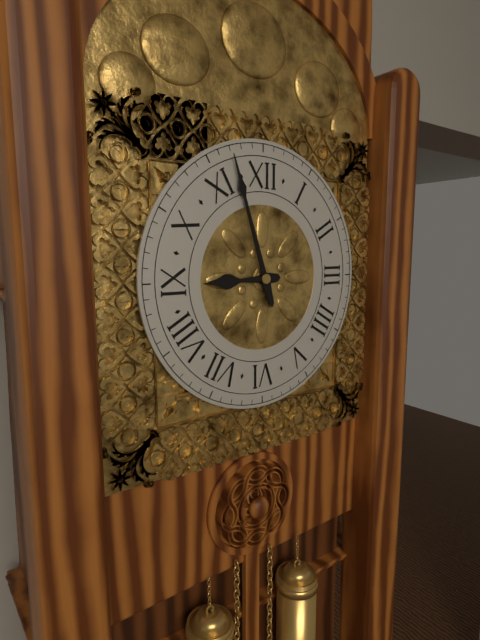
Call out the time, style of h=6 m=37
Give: h=8 m=57
